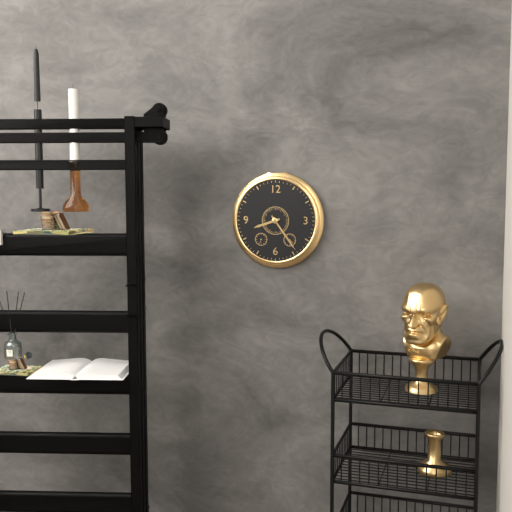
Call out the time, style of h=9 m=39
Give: h=8 m=24
